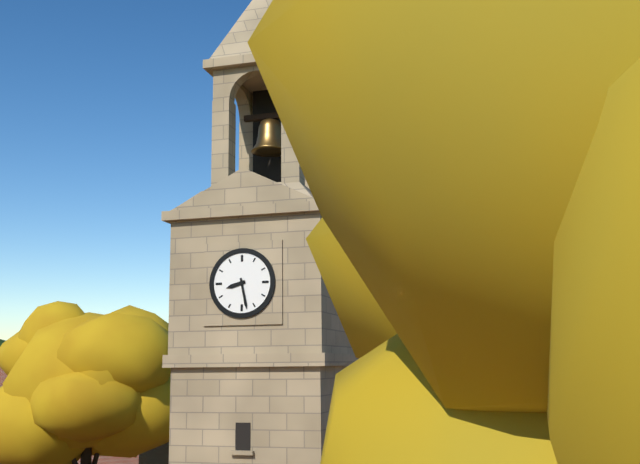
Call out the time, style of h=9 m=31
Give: h=8 m=28
